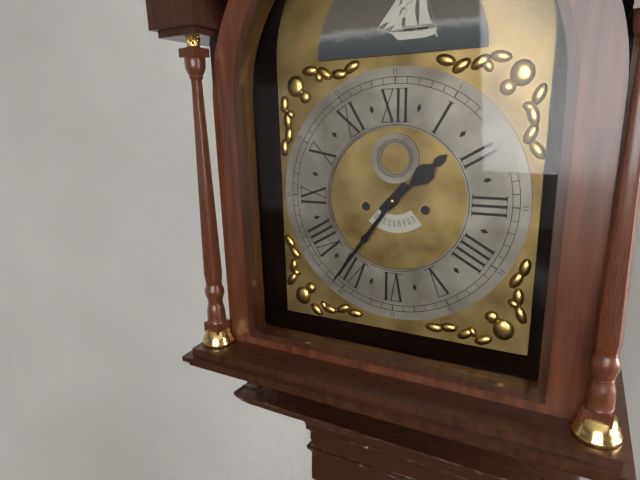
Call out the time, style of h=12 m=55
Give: h=1 m=36
